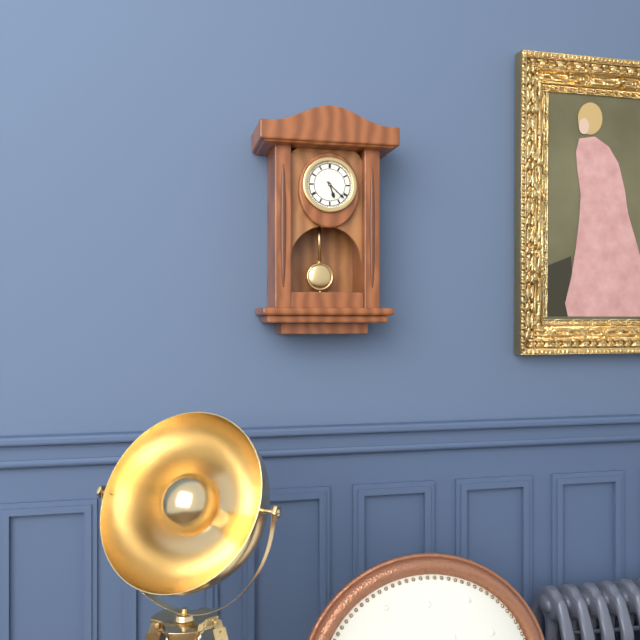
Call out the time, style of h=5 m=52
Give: h=5 m=22
